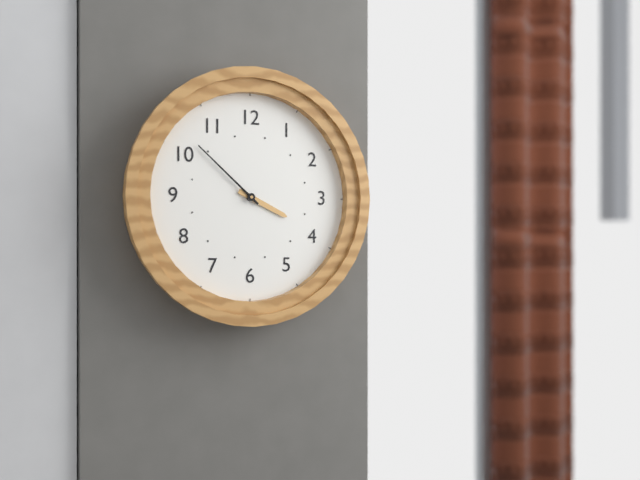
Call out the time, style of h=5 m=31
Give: h=3 m=52
